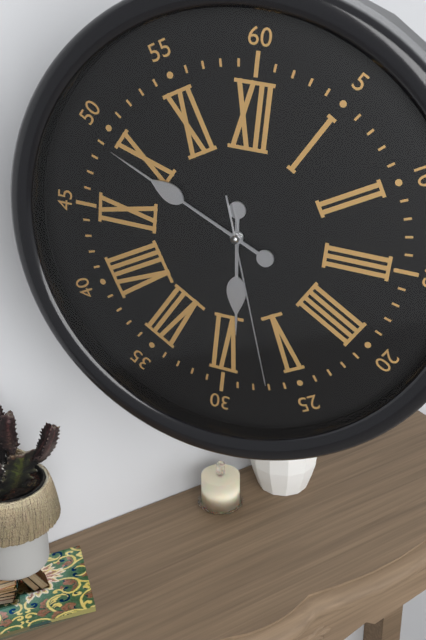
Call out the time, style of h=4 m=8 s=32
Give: h=5 m=49 s=27
